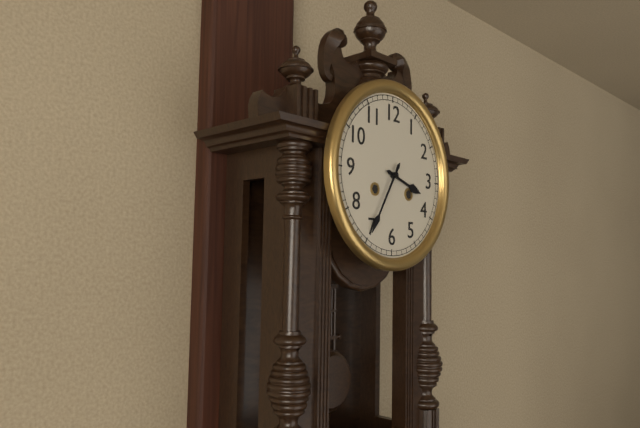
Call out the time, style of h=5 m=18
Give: h=3 m=35
